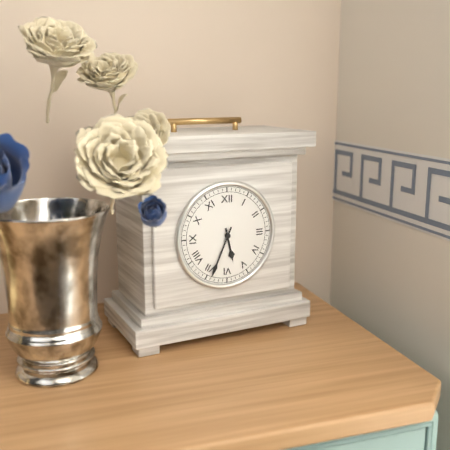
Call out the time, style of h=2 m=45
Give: h=5 m=34
